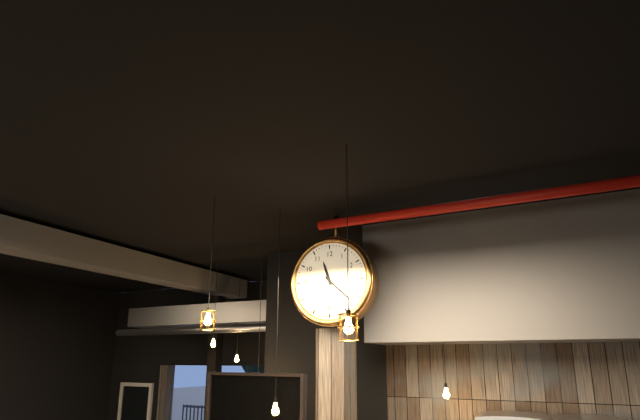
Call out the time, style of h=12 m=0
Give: h=11 m=22
